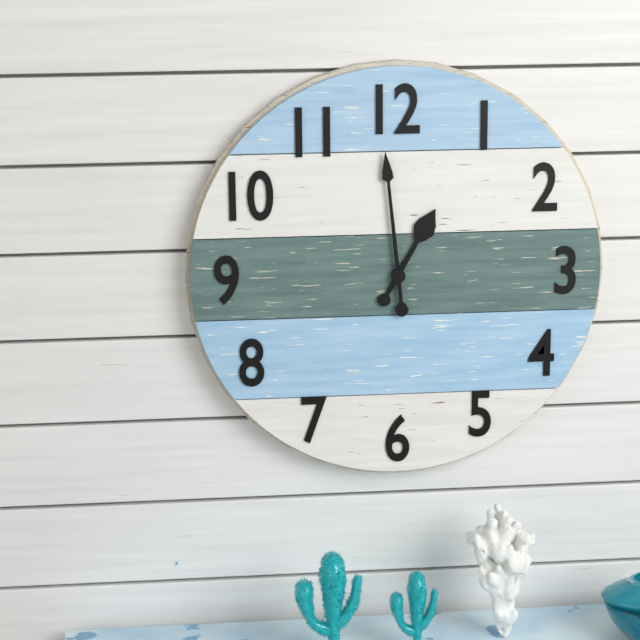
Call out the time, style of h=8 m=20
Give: h=12 m=59
